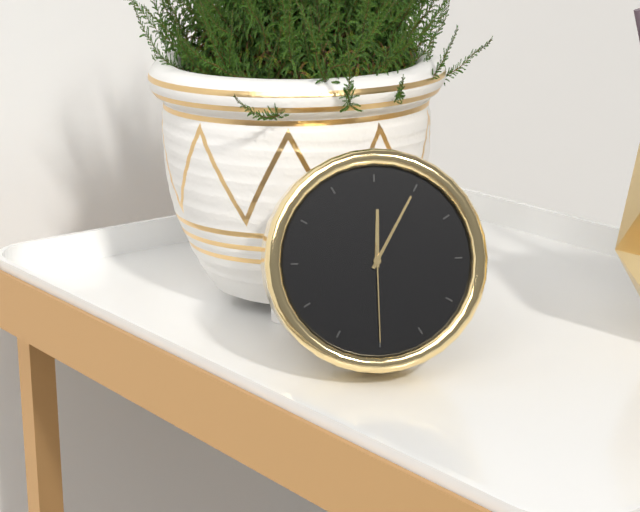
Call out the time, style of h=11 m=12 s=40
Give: h=12 m=5 s=30
